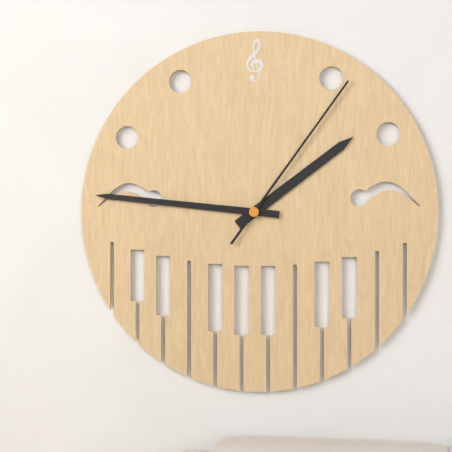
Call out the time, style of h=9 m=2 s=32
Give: h=1 m=46 s=6
